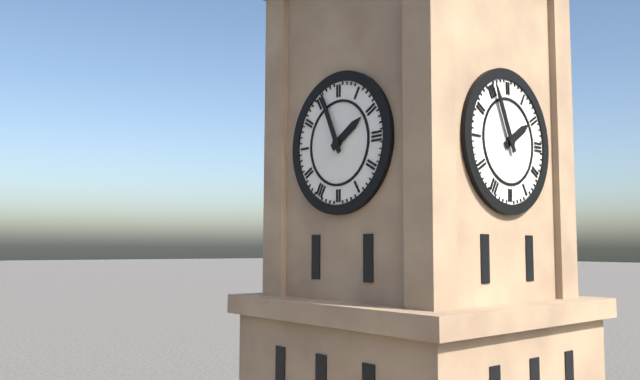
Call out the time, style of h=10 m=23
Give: h=1 m=56
